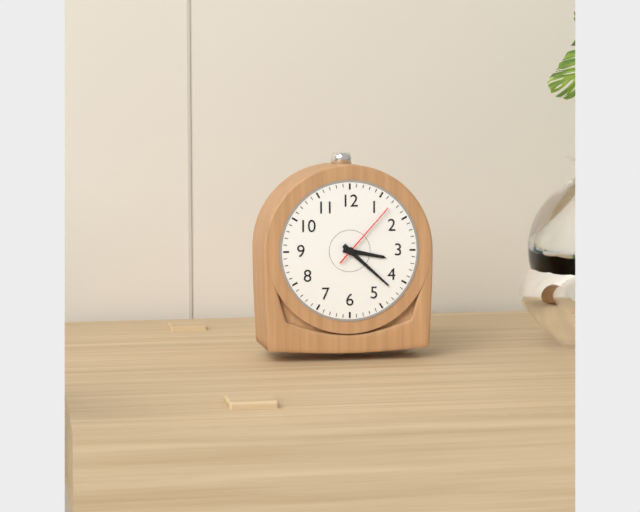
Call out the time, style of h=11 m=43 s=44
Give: h=3 m=22 s=7
